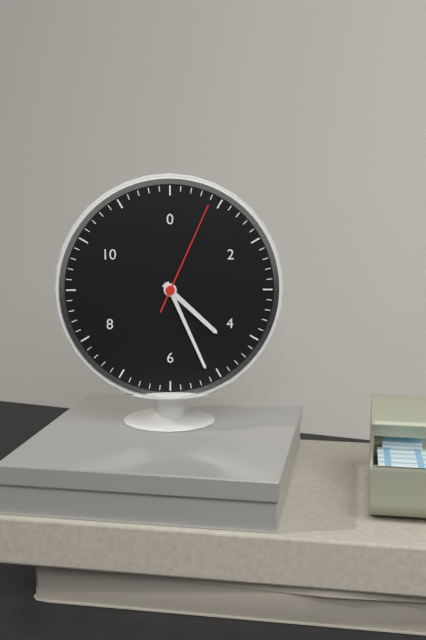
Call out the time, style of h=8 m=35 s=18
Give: h=4 m=26 s=4
